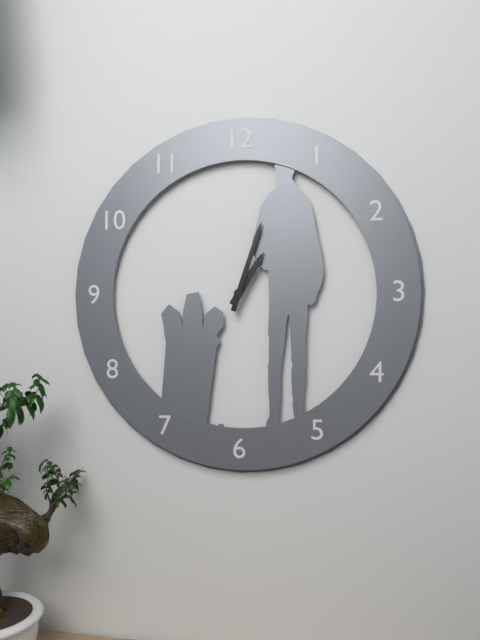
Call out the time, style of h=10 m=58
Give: h=1 m=3
